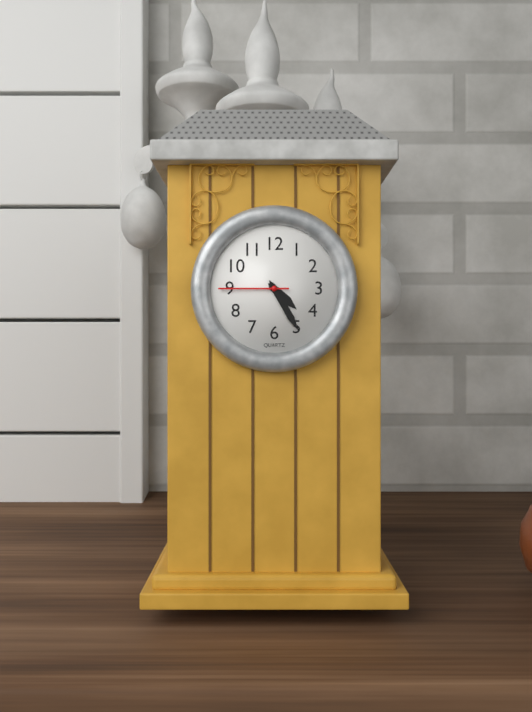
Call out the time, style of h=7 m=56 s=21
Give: h=4 m=25 s=45
